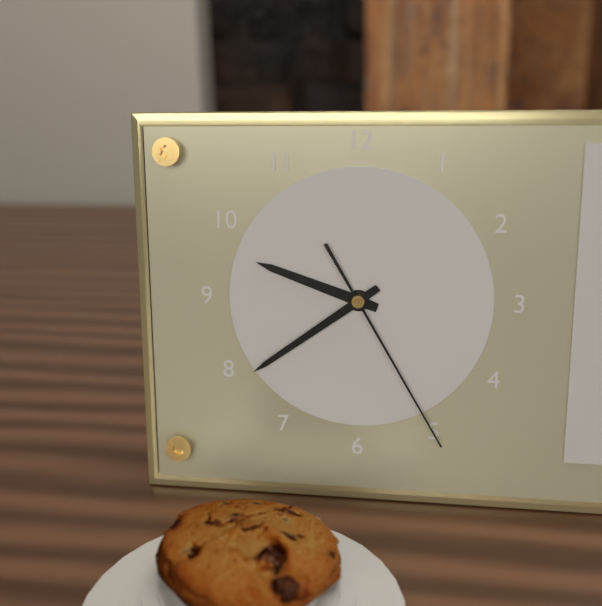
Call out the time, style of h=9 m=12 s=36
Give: h=9 m=39 s=25
